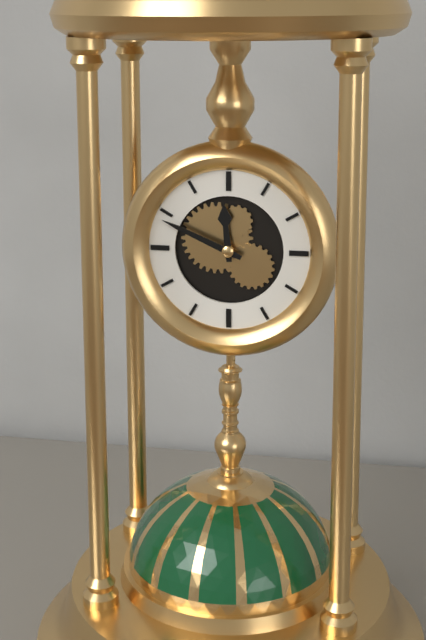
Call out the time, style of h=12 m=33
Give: h=11 m=49
